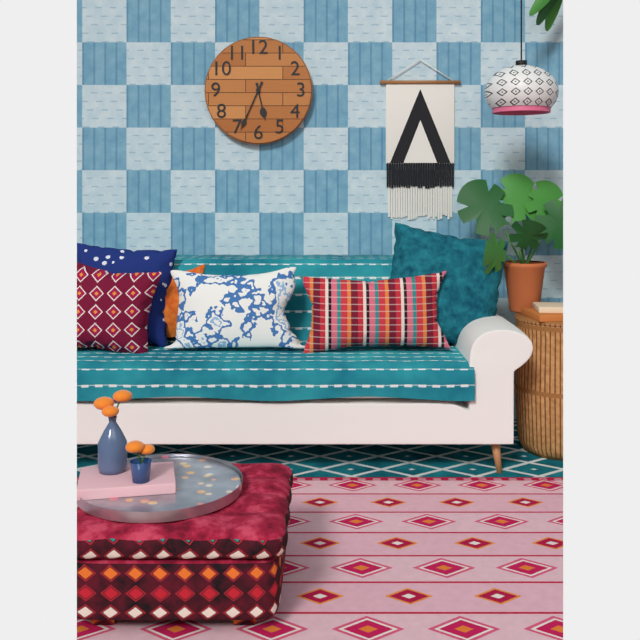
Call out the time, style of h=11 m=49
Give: h=5 m=34
